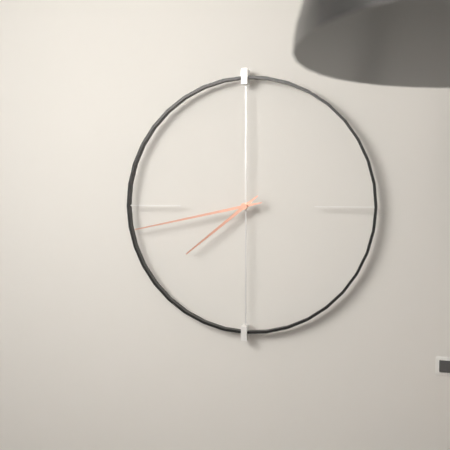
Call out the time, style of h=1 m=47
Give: h=7 m=43
